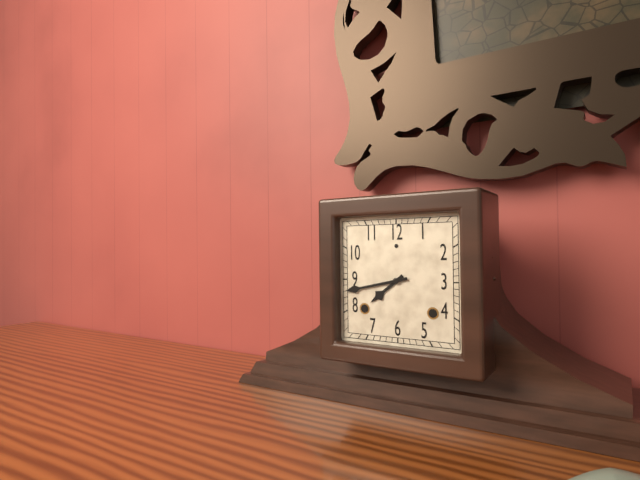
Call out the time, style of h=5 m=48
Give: h=7 m=43
